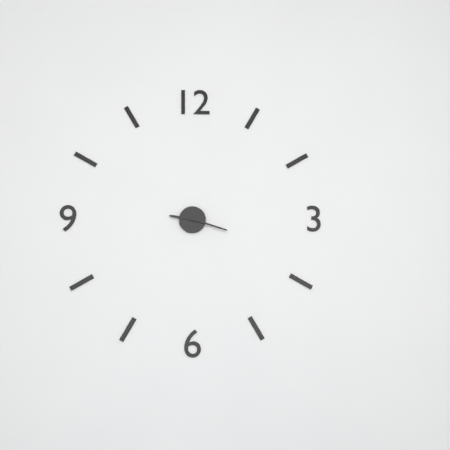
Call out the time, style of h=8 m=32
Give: h=9 m=18
